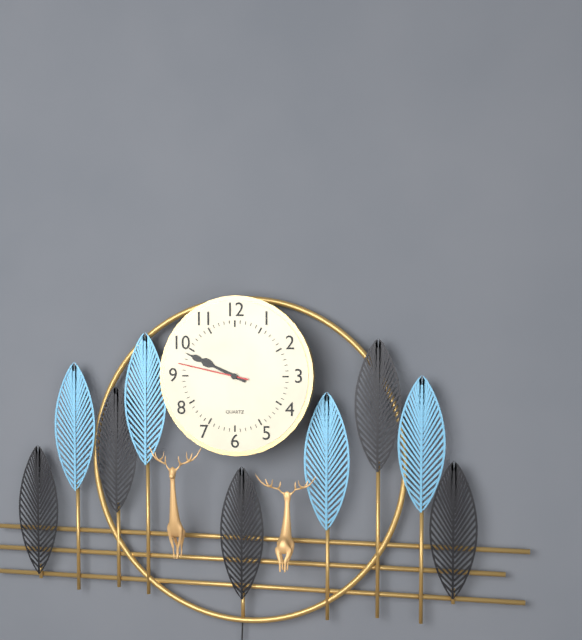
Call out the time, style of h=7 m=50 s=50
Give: h=9 m=49 s=47
